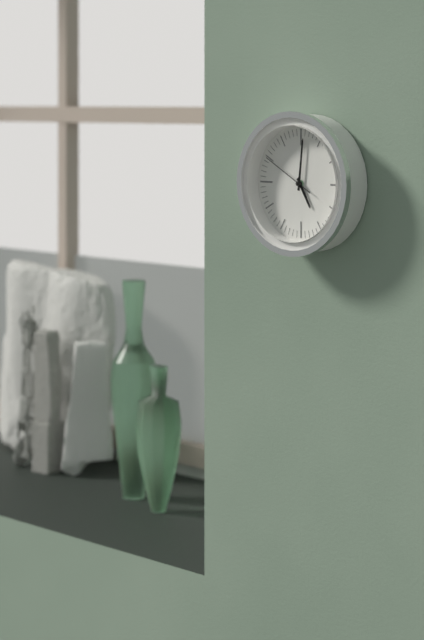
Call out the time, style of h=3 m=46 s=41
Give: h=5 m=1 s=50
